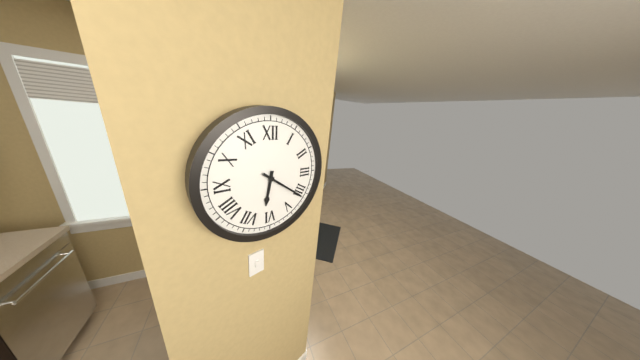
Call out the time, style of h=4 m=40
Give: h=6 m=21
